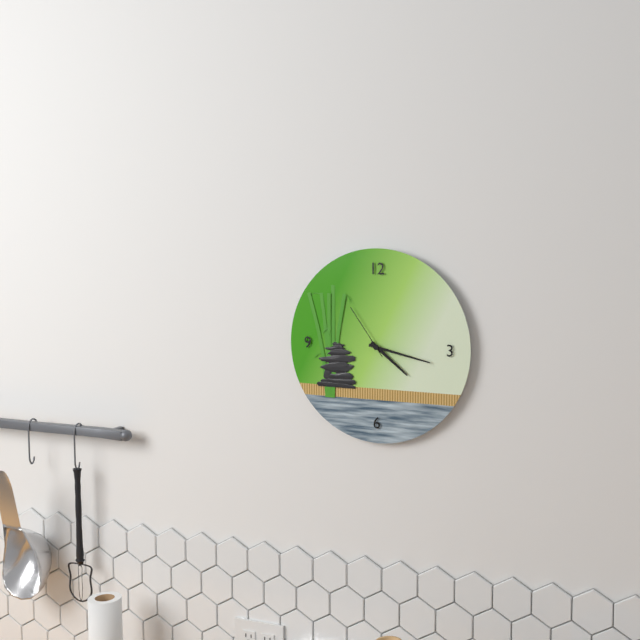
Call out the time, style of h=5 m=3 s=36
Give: h=4 m=17 s=54
